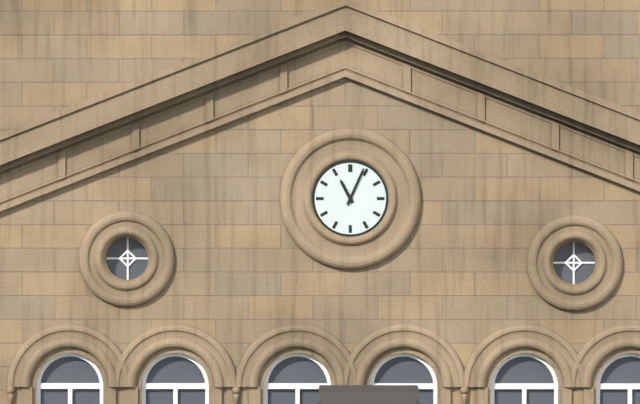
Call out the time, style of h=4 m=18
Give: h=11 m=4
